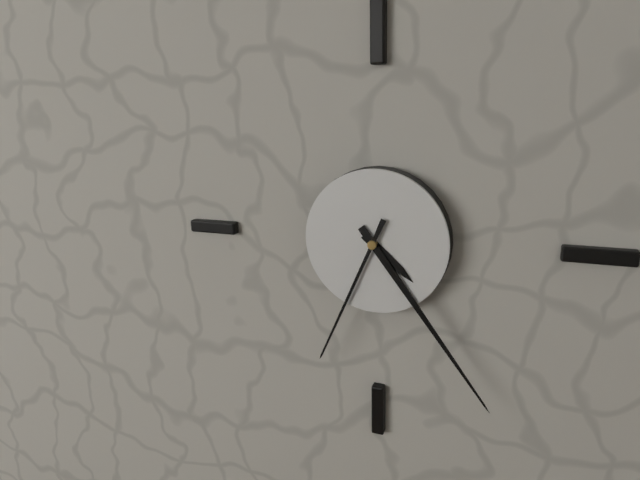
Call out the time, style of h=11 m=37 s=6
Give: h=4 m=24 s=34
